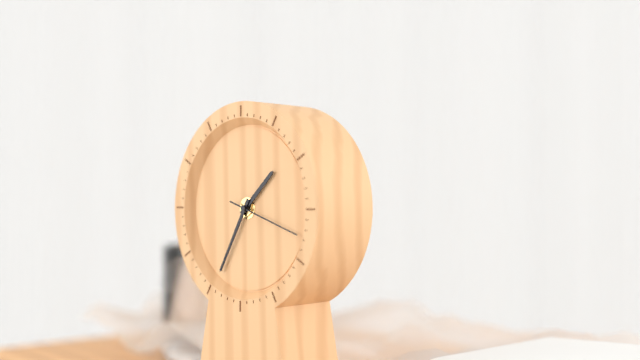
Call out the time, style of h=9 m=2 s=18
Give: h=1 m=35 s=18
